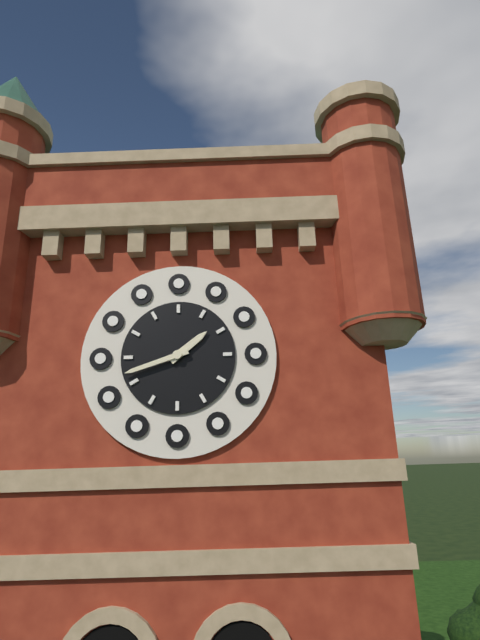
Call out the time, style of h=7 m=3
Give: h=1 m=42
